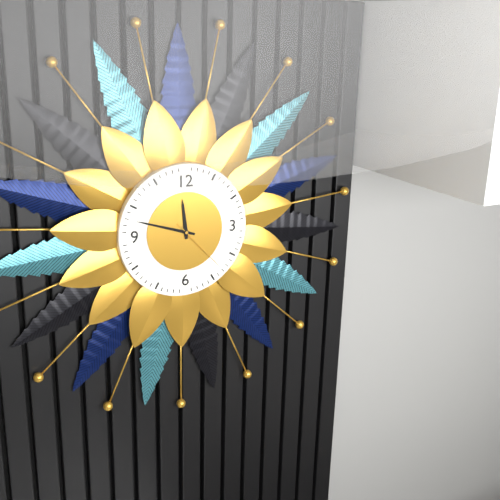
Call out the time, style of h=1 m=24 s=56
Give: h=11 m=48 s=23
